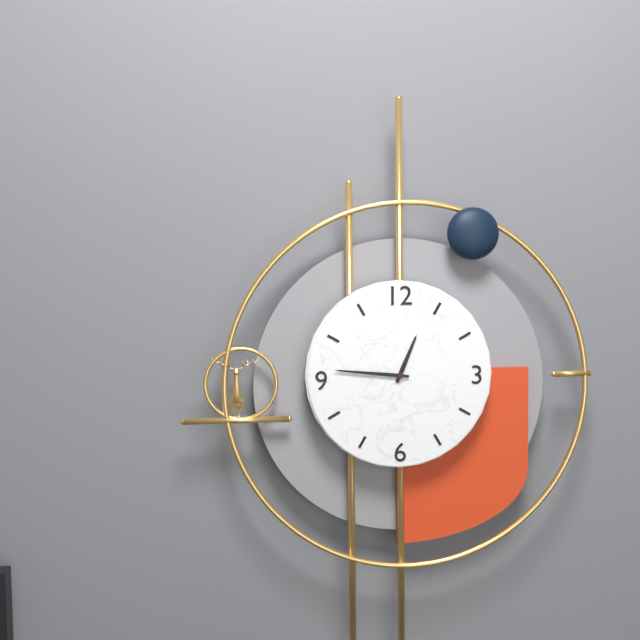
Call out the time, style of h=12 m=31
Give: h=12 m=46
